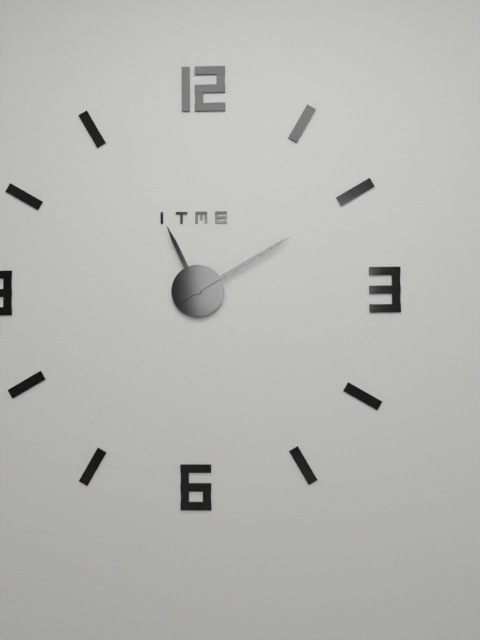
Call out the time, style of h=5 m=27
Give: h=11 m=10
